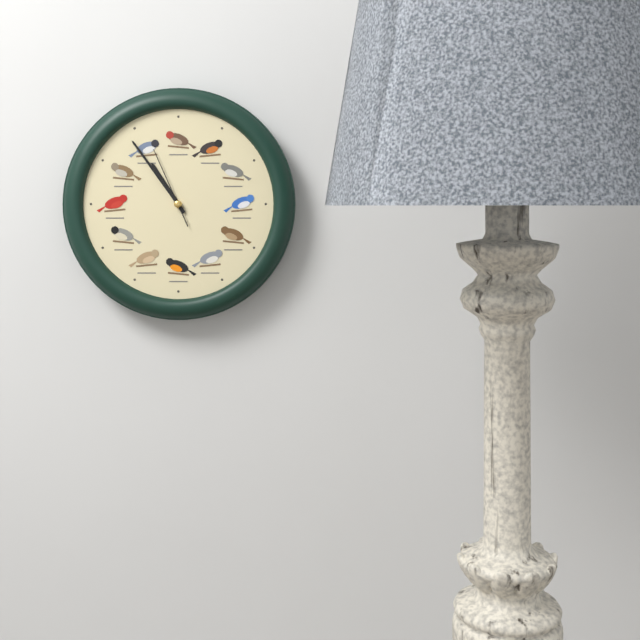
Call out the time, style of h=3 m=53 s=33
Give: h=10 m=54 s=56
